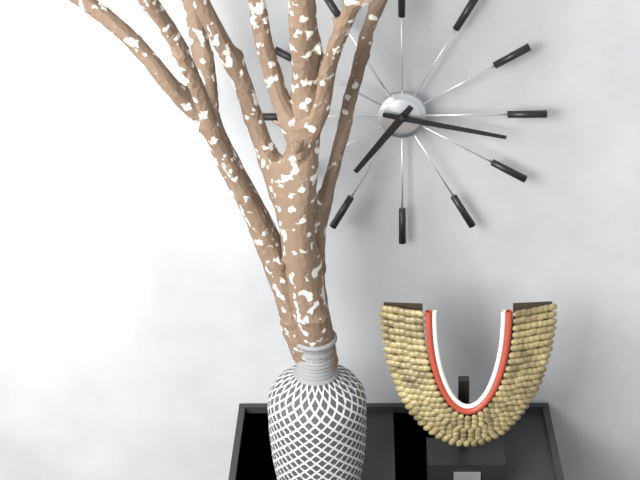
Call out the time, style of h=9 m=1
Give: h=7 m=17
